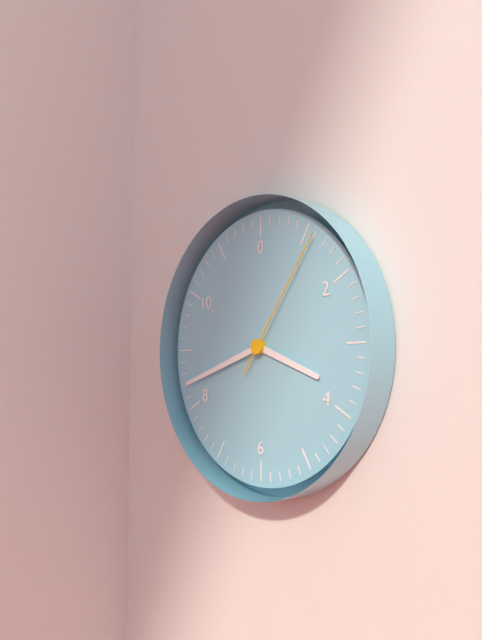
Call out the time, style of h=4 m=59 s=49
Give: h=3 m=42 s=6
